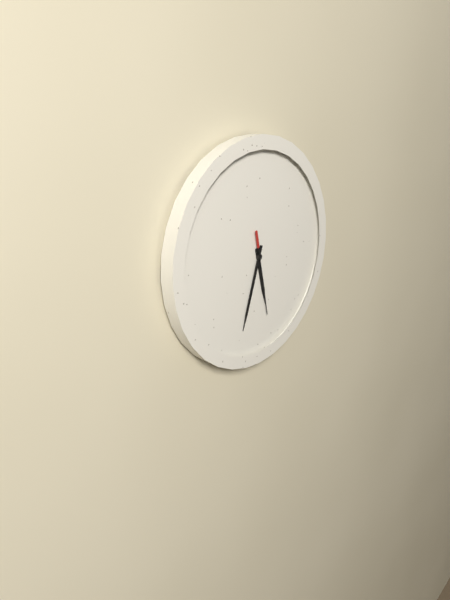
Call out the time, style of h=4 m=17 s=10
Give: h=5 m=33 s=28
